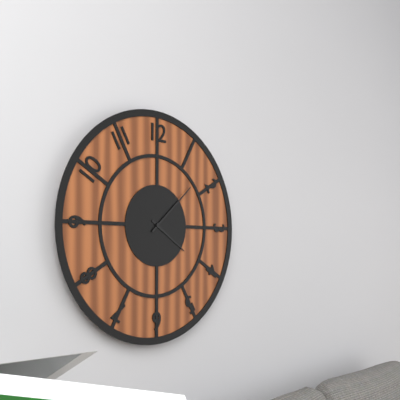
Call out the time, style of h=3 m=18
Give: h=4 m=8
